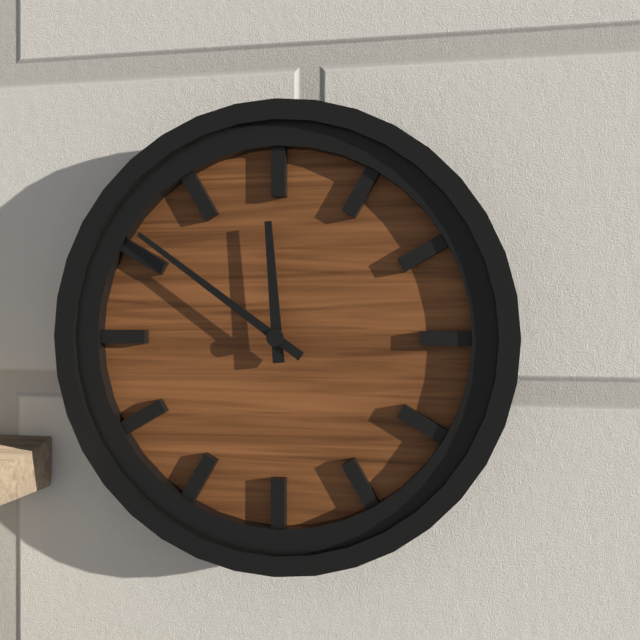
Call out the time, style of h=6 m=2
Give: h=11 m=51
